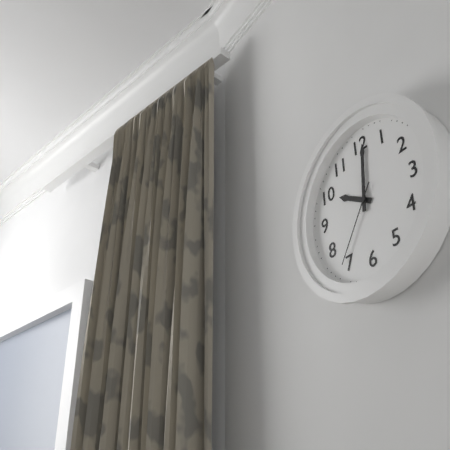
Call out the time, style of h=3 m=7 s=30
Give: h=10 m=1 s=36
